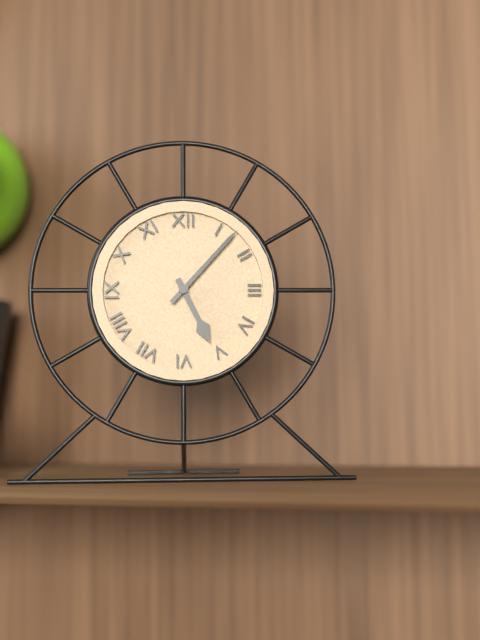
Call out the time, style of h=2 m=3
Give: h=5 m=7
